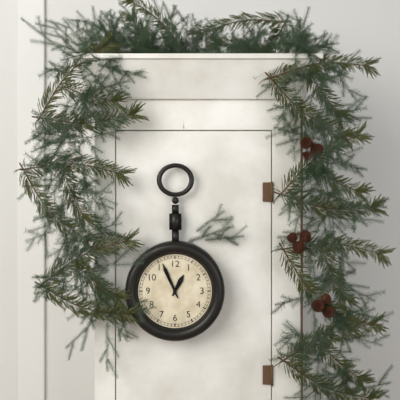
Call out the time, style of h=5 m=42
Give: h=12 m=56
